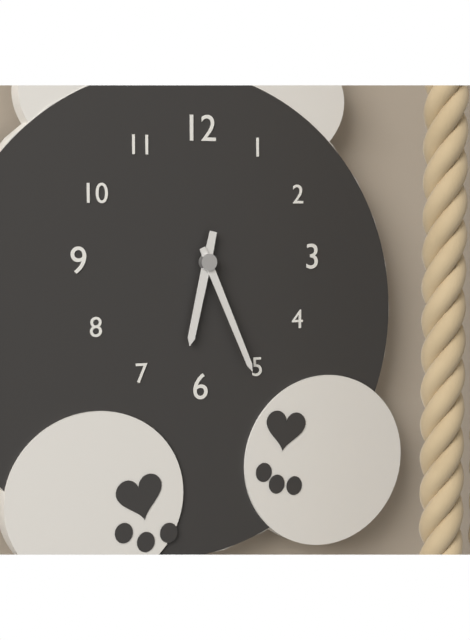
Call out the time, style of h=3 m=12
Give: h=6 m=26
